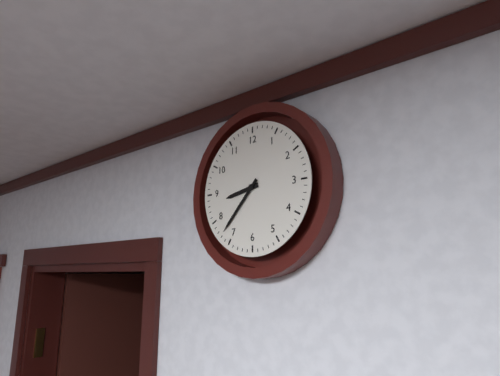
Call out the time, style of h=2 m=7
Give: h=8 m=37
